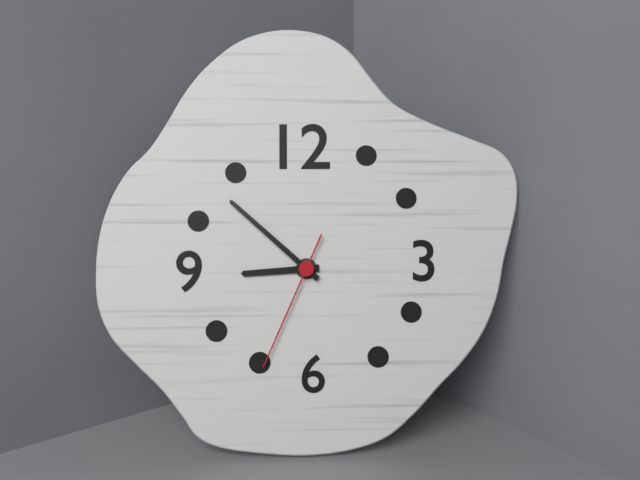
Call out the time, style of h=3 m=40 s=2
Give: h=8 m=52 s=34
